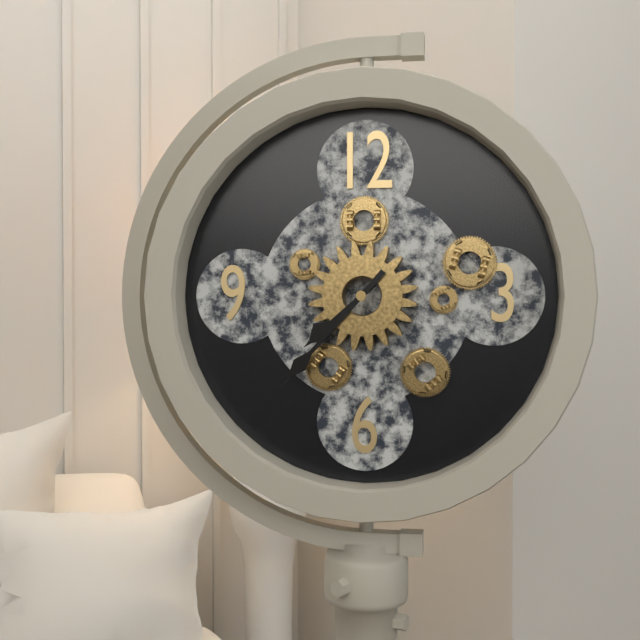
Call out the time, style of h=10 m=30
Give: h=7 m=37
